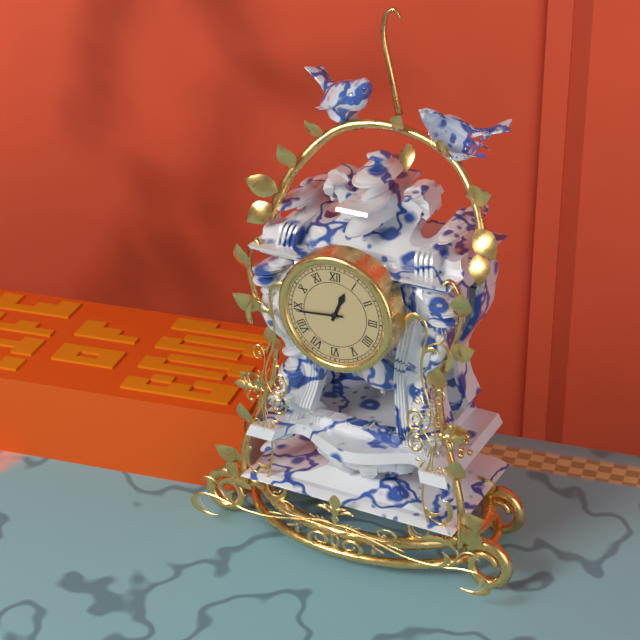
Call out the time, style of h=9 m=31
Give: h=12 m=44
